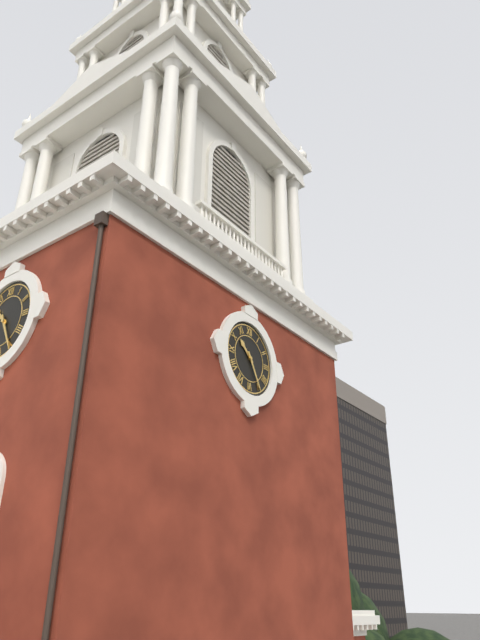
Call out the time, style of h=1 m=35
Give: h=10 m=25
